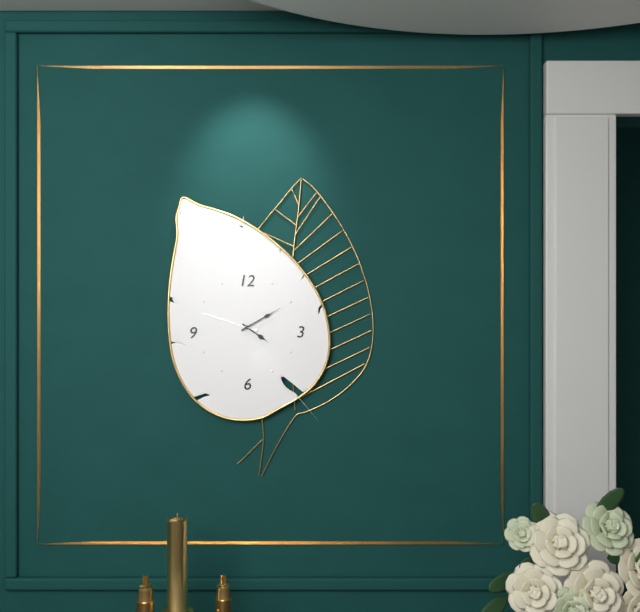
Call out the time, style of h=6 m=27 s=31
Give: h=4 m=10 s=48
